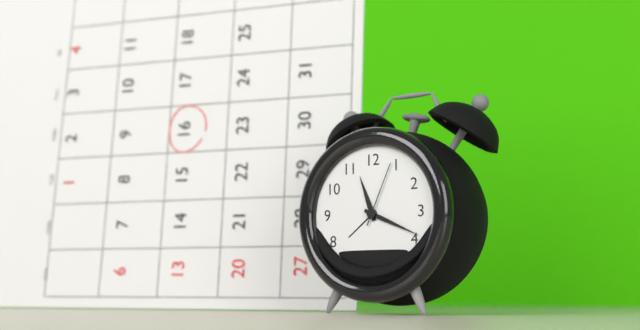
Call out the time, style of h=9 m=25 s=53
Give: h=11 m=19 s=4
